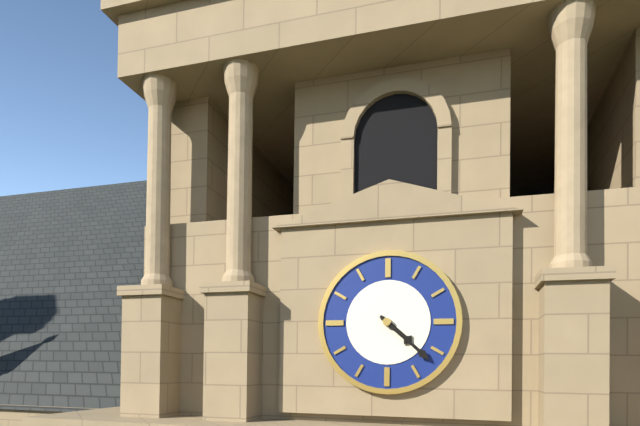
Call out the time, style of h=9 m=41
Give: h=4 m=22
